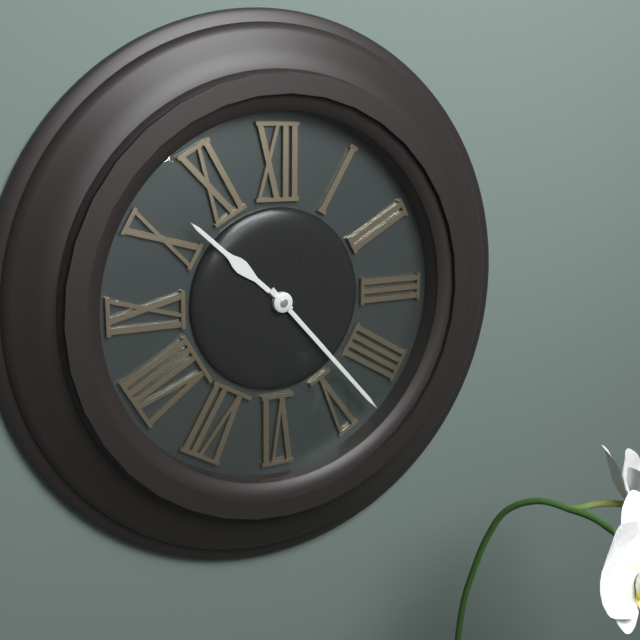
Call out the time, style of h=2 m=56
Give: h=10 m=23
